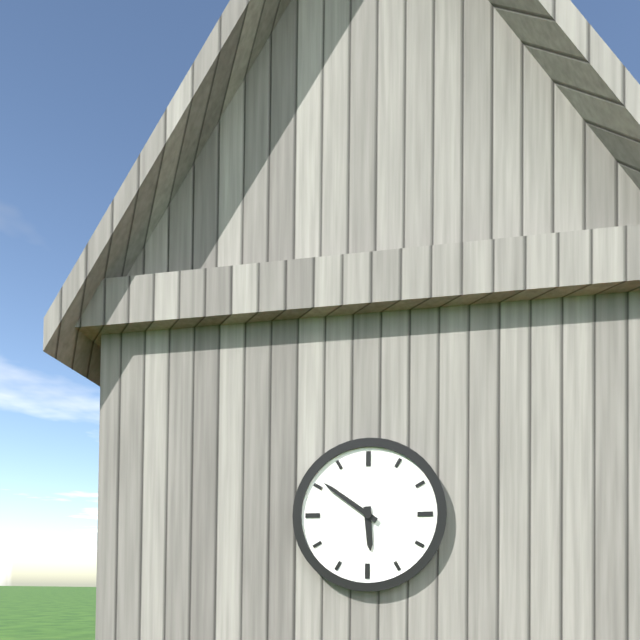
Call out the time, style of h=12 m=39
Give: h=5 m=51
